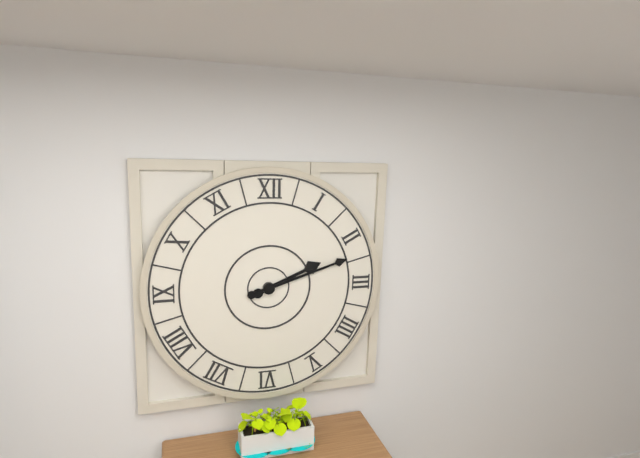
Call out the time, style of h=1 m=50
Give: h=2 m=12
